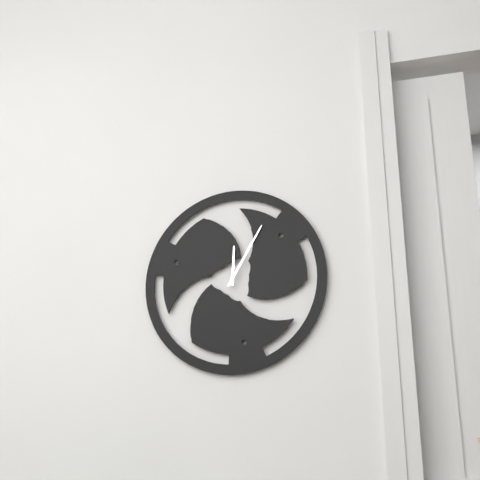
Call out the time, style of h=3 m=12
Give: h=12 m=5
